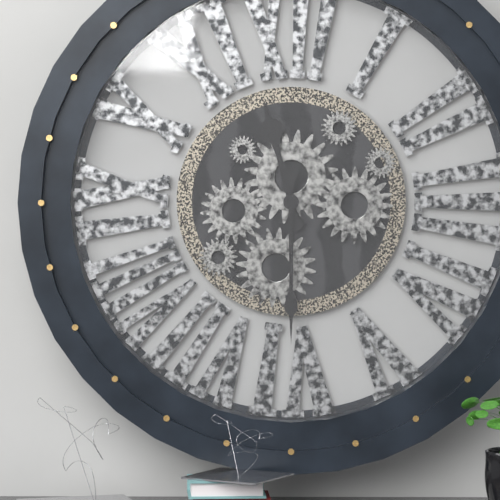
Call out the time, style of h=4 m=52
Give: h=11 m=30
